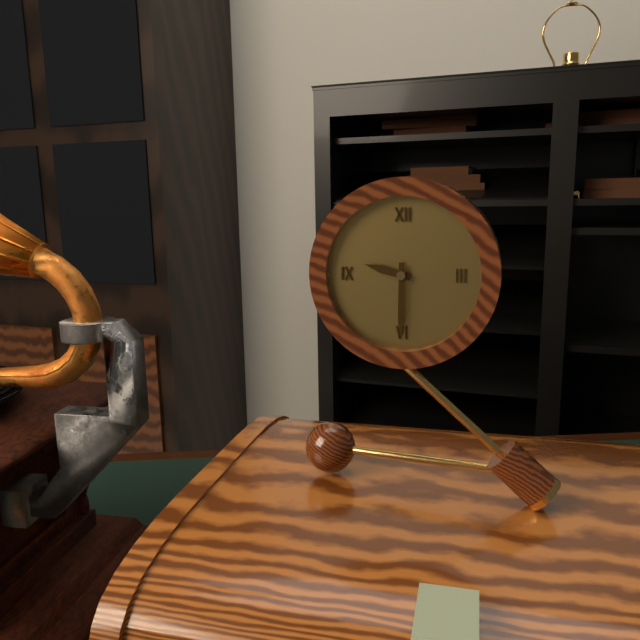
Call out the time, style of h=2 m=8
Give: h=9 m=30
